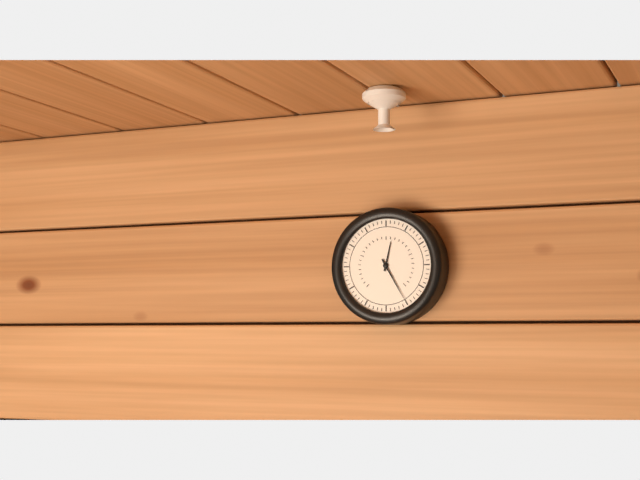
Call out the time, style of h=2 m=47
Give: h=12 m=25
